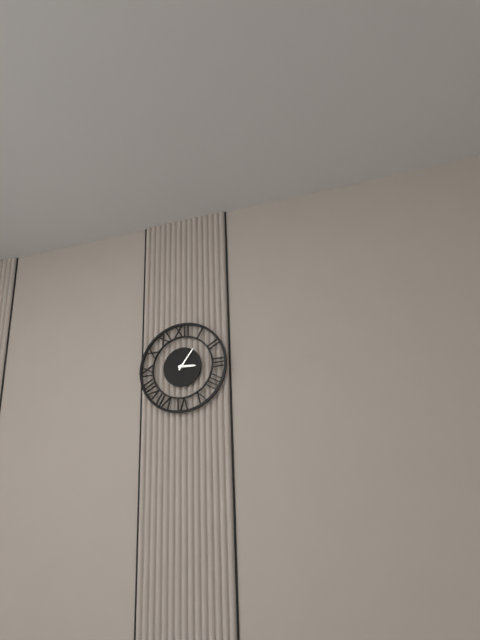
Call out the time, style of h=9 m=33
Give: h=3 m=6
